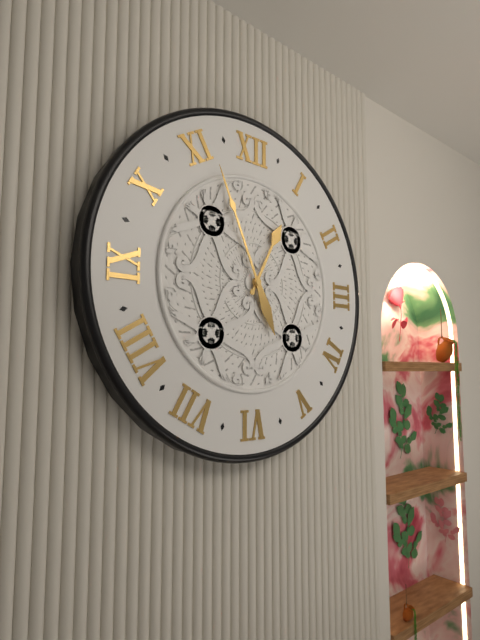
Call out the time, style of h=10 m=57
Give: h=12 m=56
